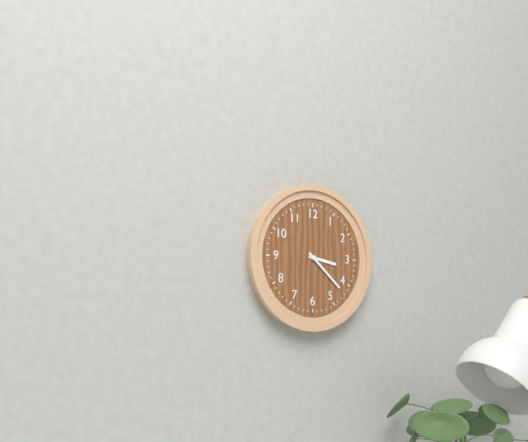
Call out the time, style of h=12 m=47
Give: h=3 m=22
